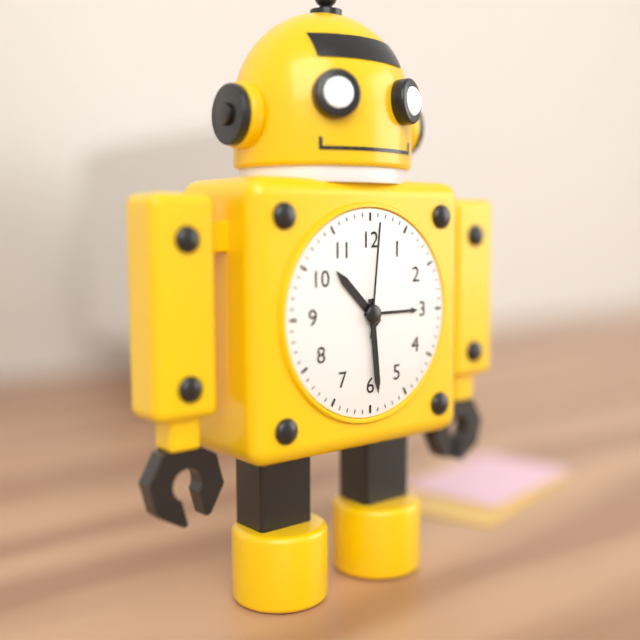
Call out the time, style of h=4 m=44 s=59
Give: h=10 m=29 s=1
